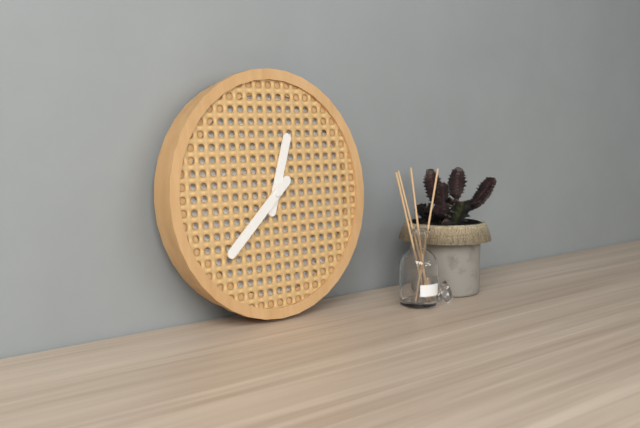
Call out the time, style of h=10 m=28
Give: h=12 m=38
